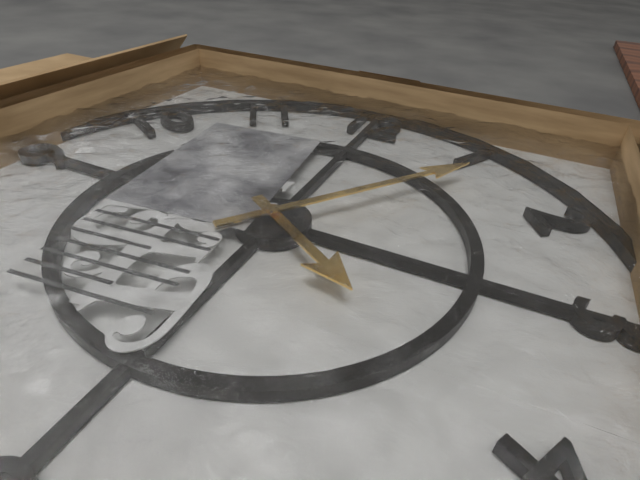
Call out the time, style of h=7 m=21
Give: h=4 m=6
